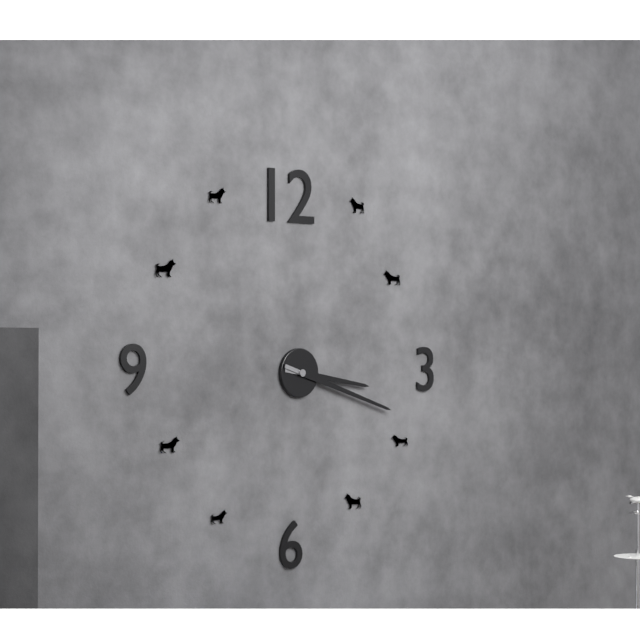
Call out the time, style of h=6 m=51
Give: h=3 m=18
